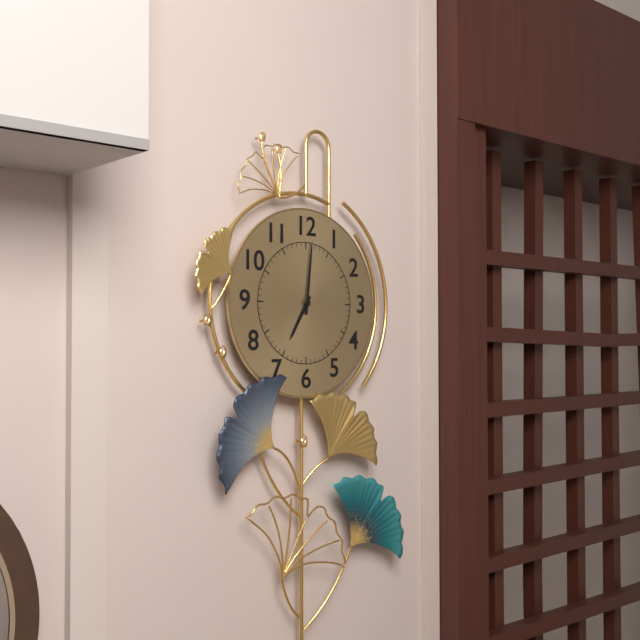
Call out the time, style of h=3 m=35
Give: h=7 m=1
